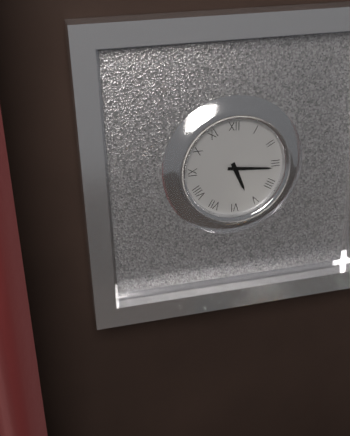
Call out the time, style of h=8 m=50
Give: h=5 m=16
